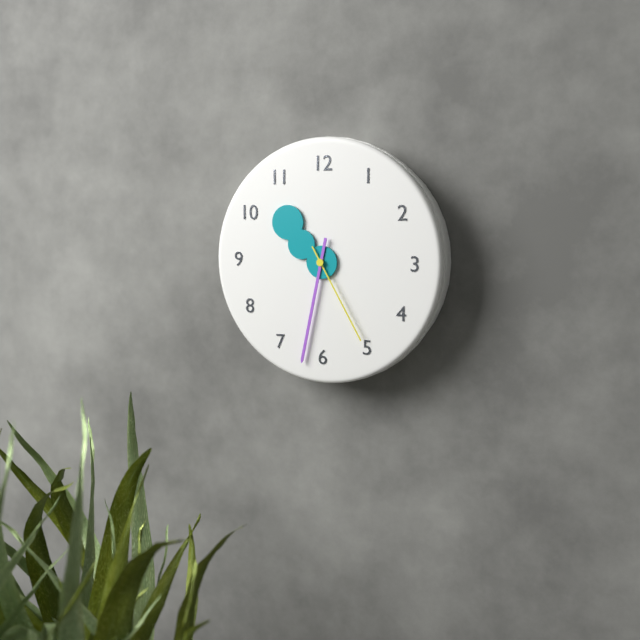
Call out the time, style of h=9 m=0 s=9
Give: h=10 m=32 s=25
